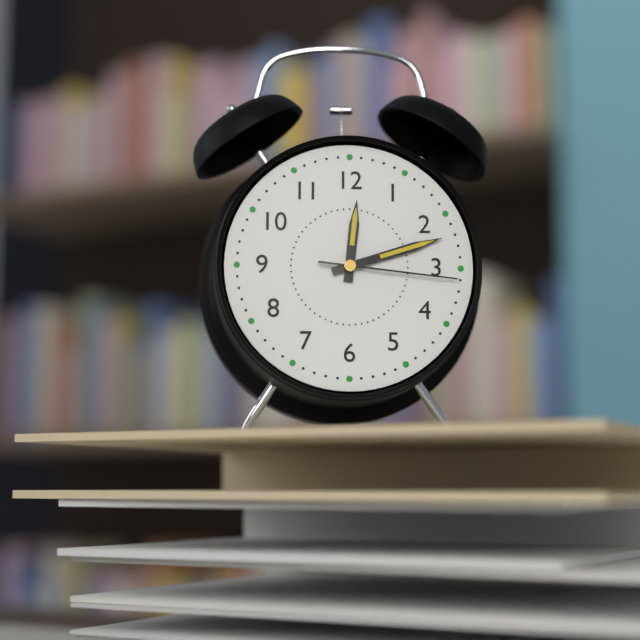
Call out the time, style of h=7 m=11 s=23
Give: h=12 m=12 s=16
